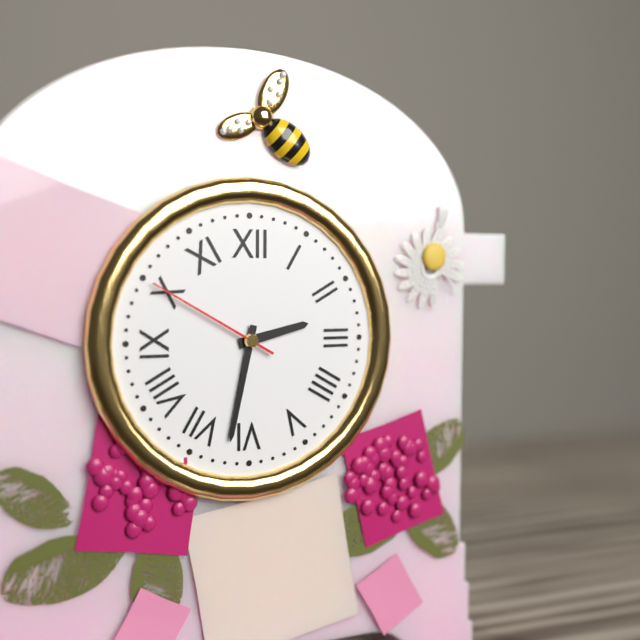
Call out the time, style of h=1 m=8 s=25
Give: h=2 m=32 s=50
